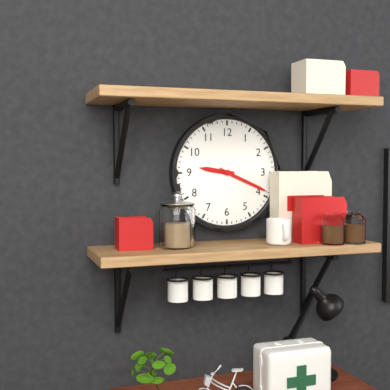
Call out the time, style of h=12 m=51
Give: h=9 m=19
